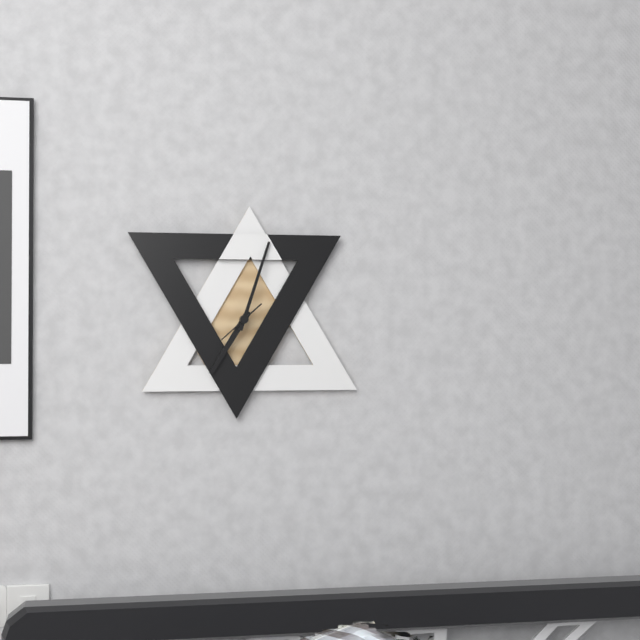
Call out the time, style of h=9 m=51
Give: h=7 m=3
